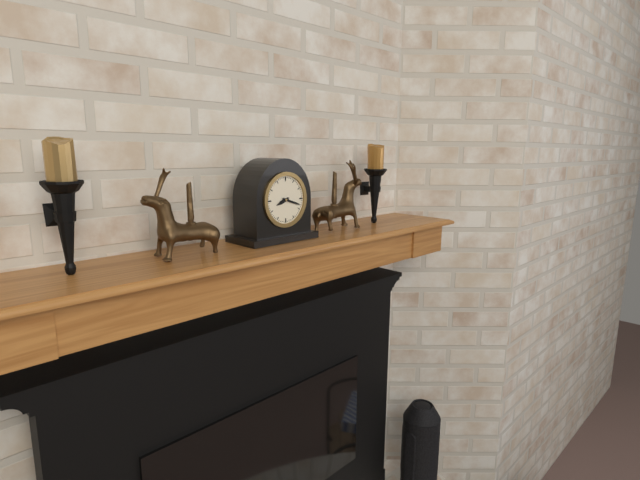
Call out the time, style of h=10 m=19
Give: h=8 m=18
